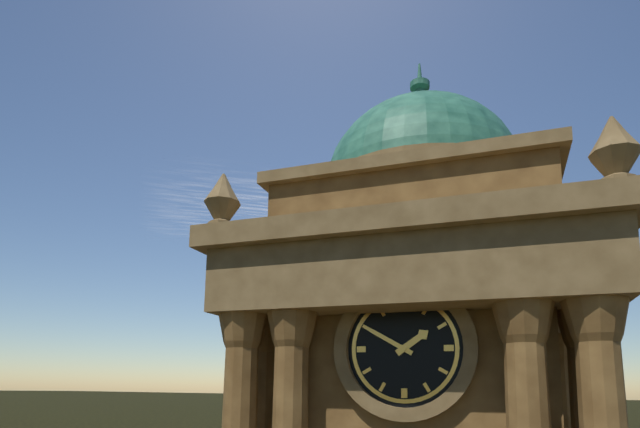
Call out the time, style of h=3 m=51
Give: h=1 m=50
